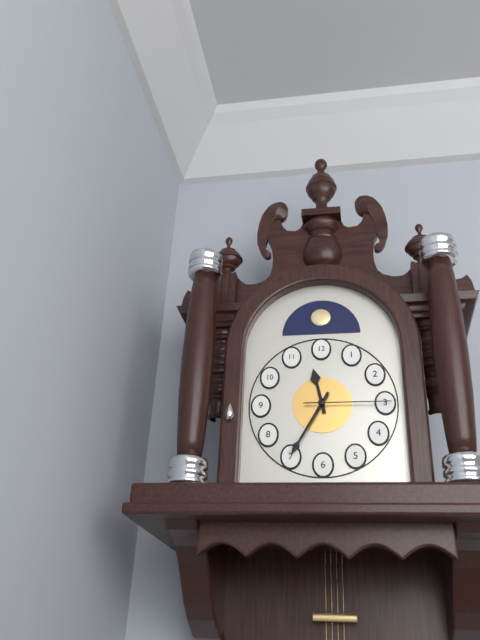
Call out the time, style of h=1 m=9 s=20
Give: h=11 m=35 s=15
